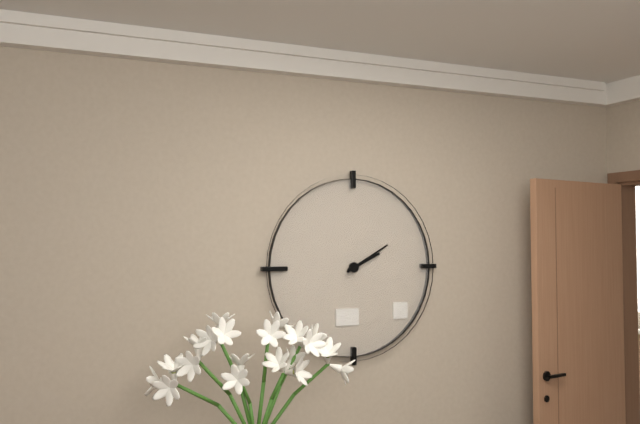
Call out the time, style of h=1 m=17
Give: h=2 m=10
